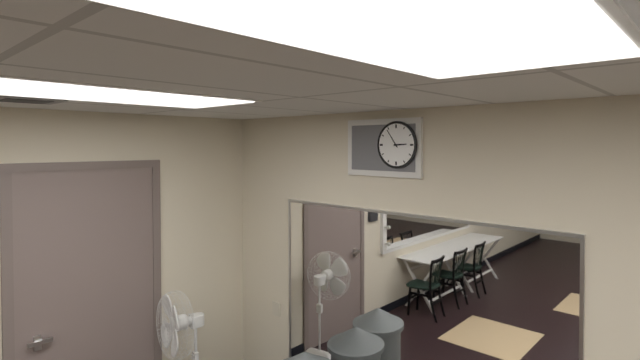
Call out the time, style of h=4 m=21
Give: h=2 m=54
